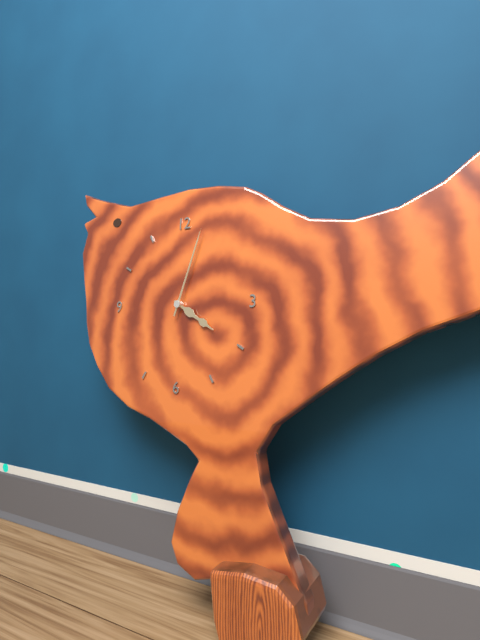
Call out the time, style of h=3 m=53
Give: h=4 m=3
